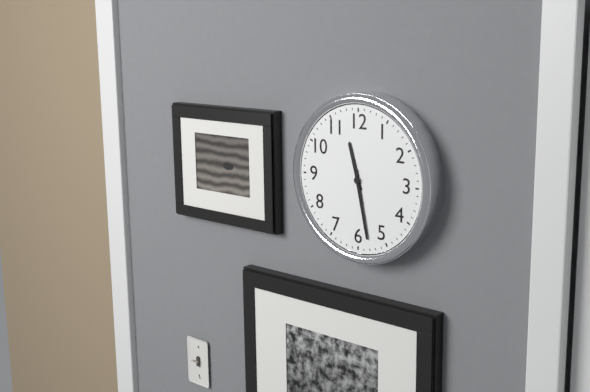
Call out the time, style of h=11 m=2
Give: h=11 m=28
